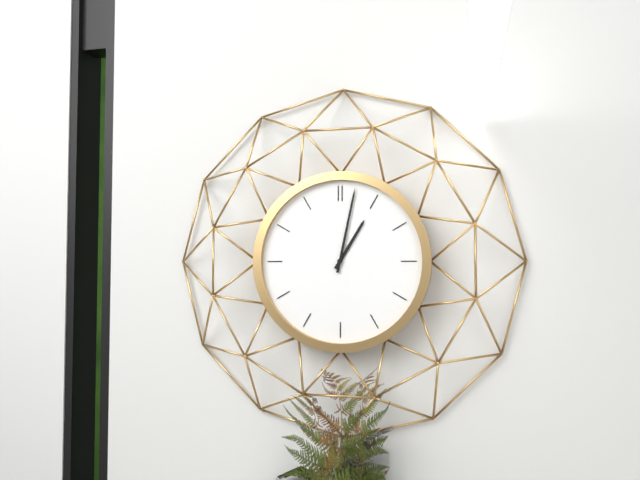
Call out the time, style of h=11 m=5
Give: h=1 m=2
